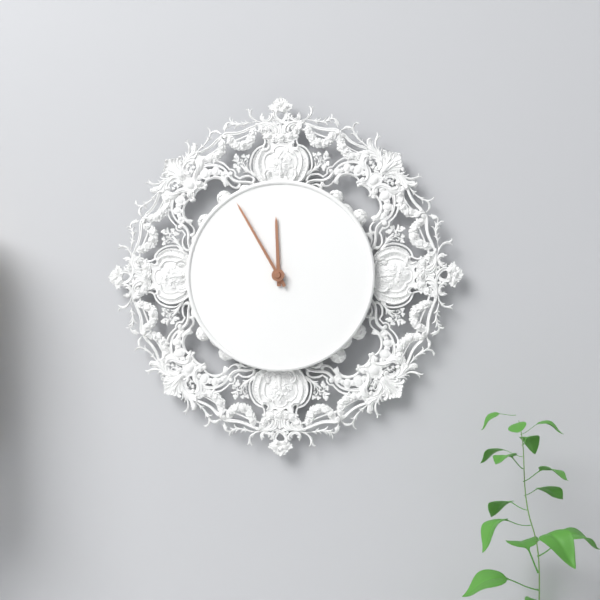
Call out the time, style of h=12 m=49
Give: h=11 m=55
